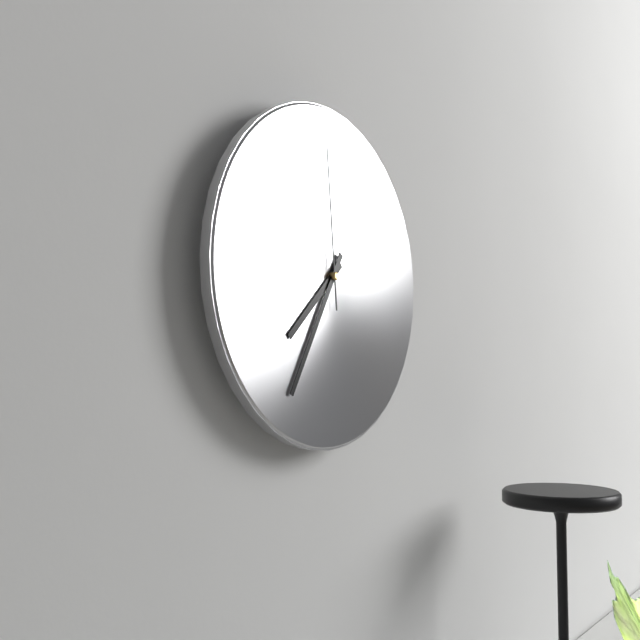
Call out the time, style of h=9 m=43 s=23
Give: h=7 m=35 s=59
